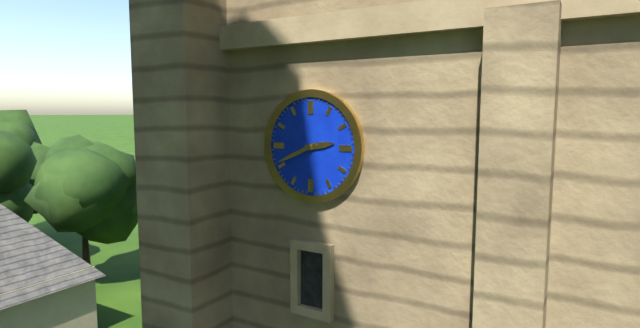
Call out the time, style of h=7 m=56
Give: h=2 m=41
